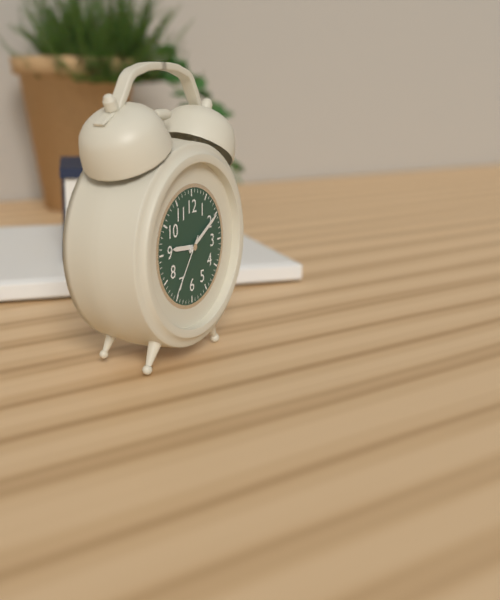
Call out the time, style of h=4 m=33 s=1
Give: h=9 m=10 s=36
